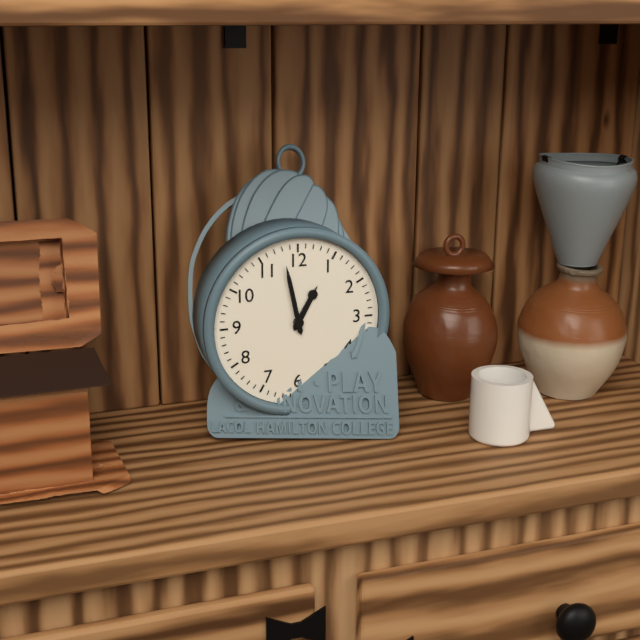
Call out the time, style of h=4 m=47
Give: h=12 m=58
